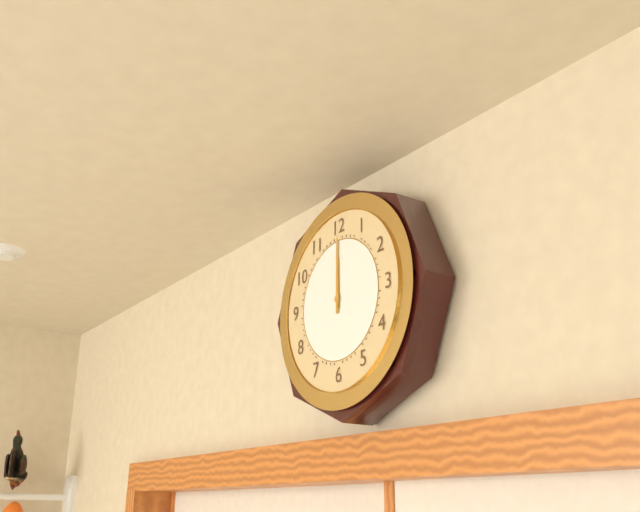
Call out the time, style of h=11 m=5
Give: h=12 m=0
